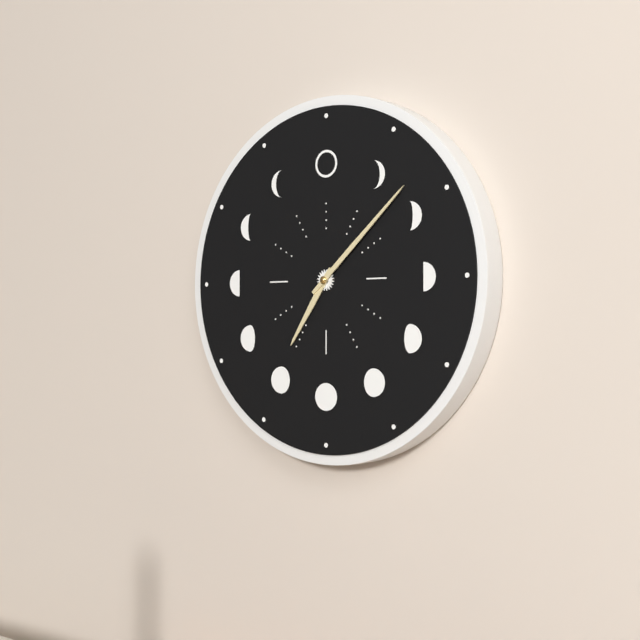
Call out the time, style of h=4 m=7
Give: h=7 m=8
